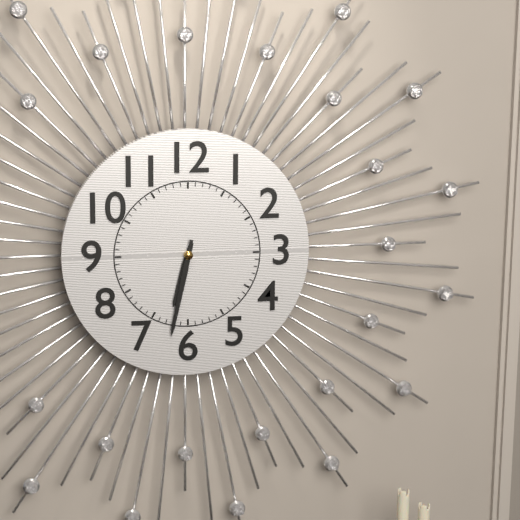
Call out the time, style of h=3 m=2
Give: h=6 m=32
